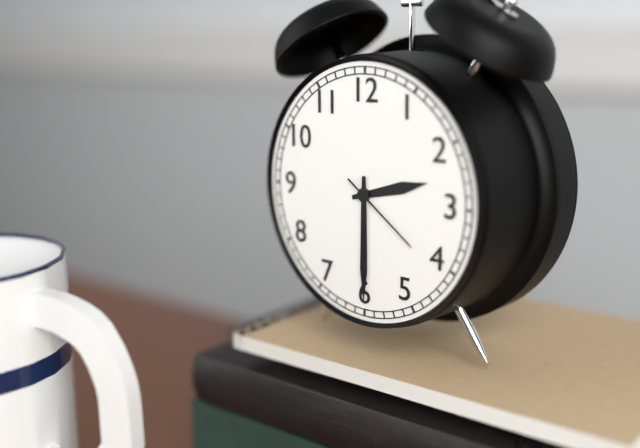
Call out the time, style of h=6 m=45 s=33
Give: h=2 m=30 s=21
